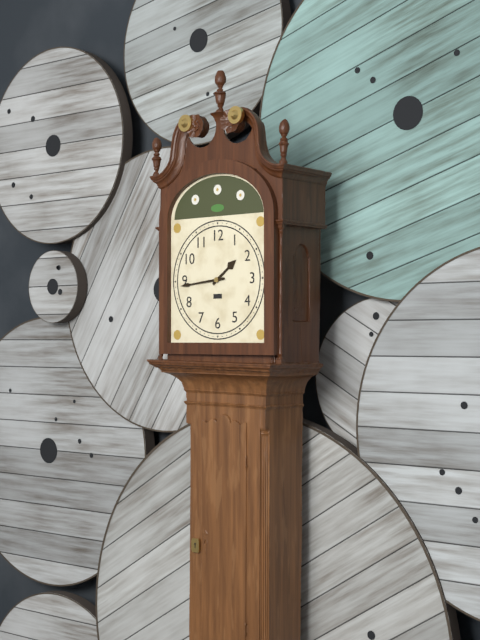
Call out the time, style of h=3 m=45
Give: h=1 m=44
